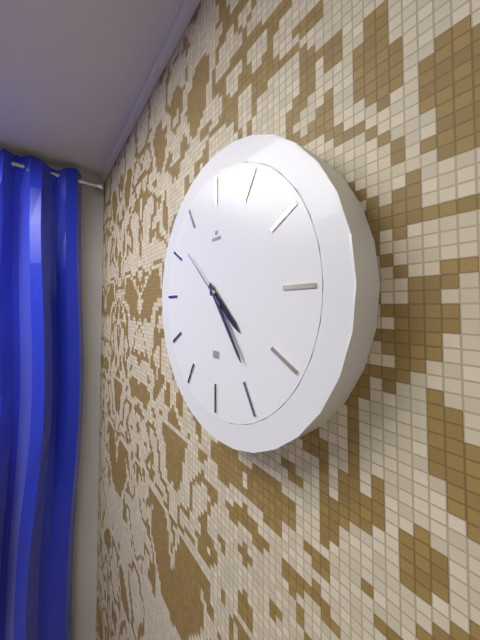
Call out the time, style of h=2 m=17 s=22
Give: h=4 m=24 s=52
